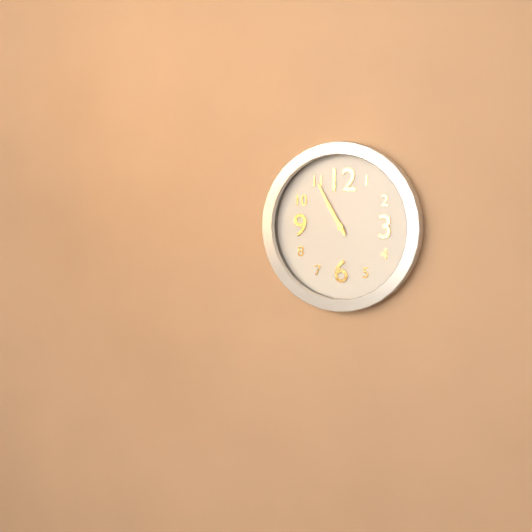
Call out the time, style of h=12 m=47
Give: h=10 m=55
